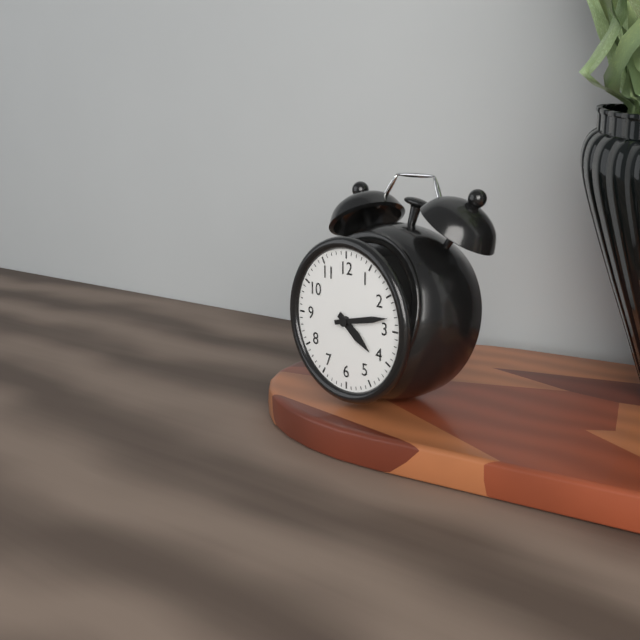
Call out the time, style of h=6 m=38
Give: h=4 m=13
